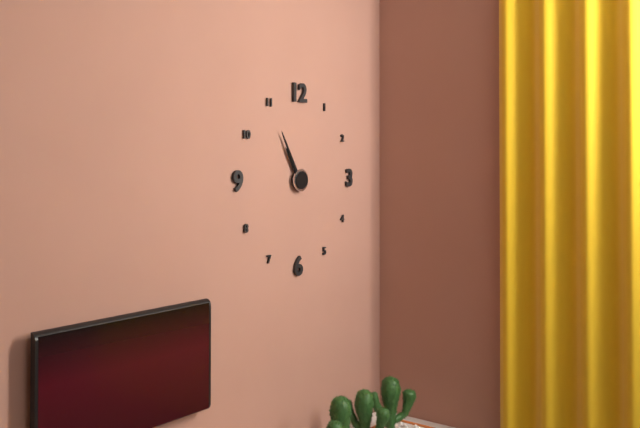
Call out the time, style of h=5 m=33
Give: h=10 m=55
